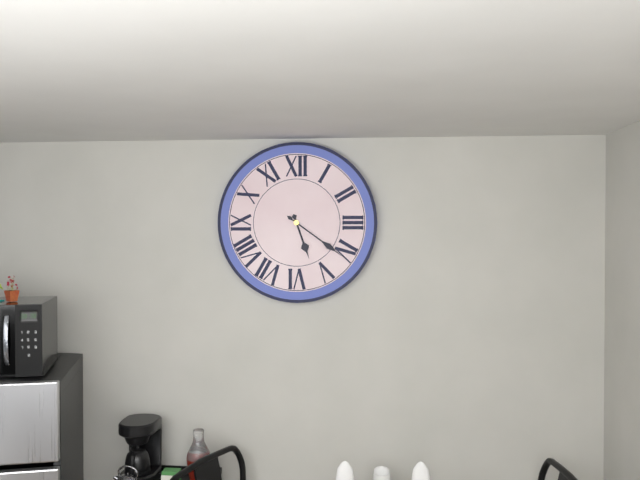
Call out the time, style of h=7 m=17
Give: h=5 m=21
